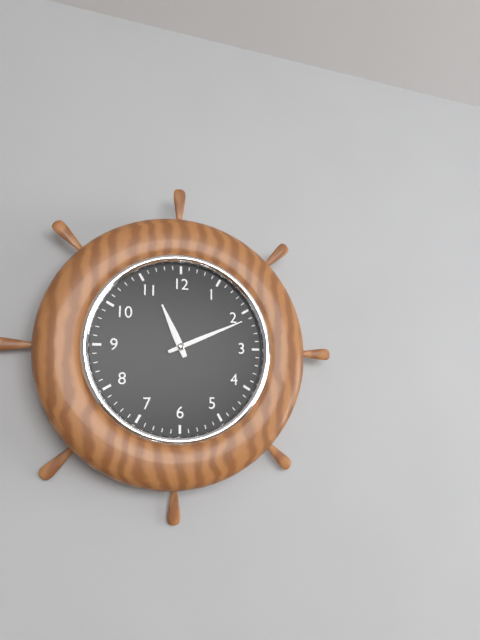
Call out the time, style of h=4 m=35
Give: h=11 m=11
